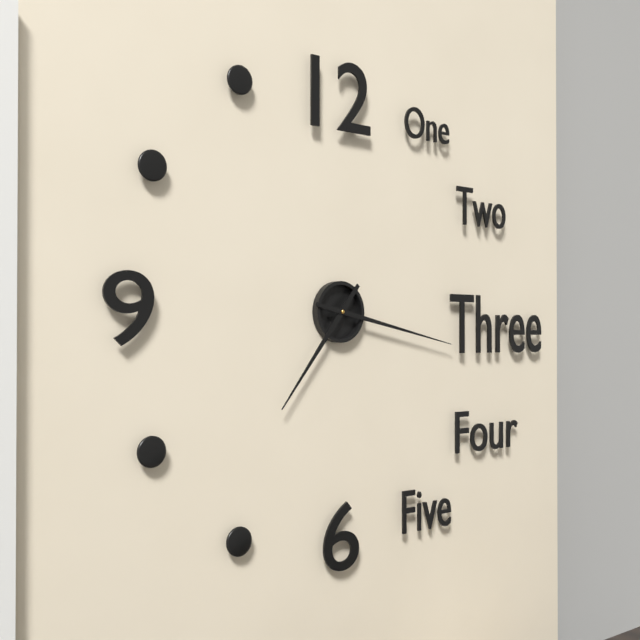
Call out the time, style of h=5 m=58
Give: h=7 m=17
